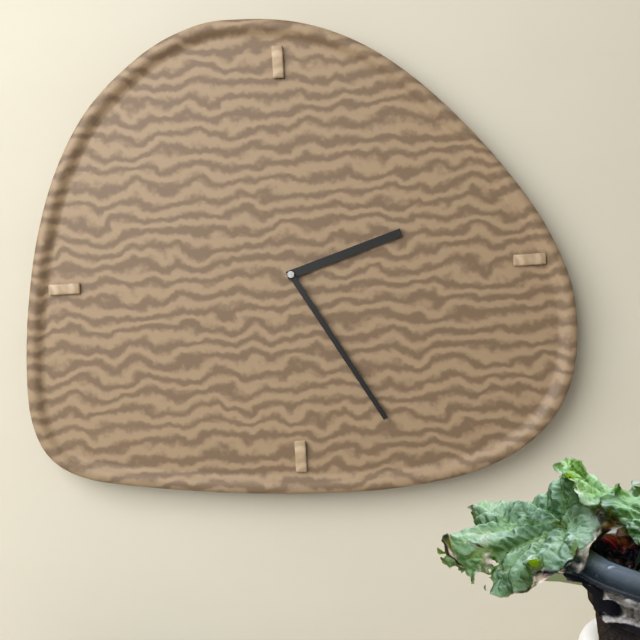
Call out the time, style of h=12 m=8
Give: h=2 m=25
